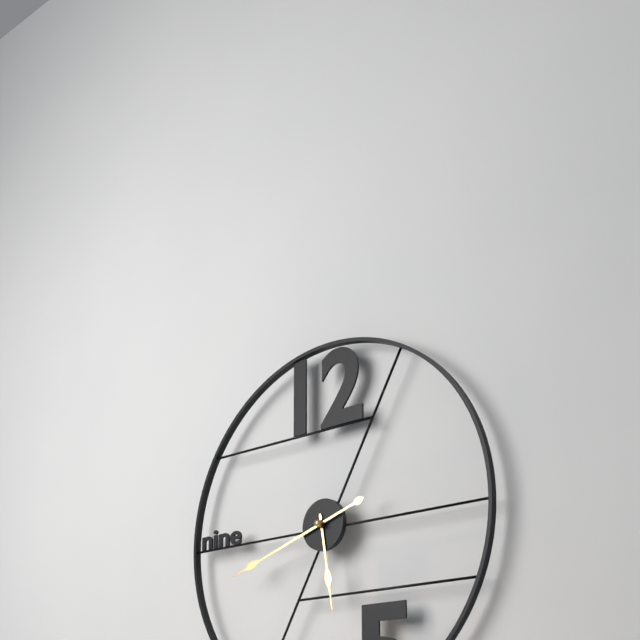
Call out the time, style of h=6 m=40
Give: h=5 m=42
